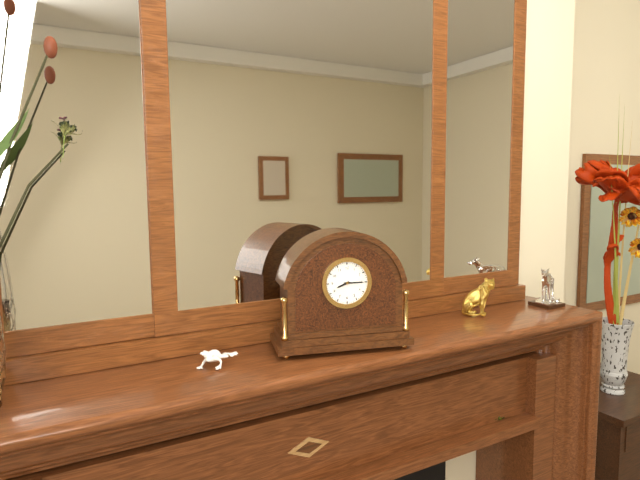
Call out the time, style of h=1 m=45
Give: h=8 m=15
